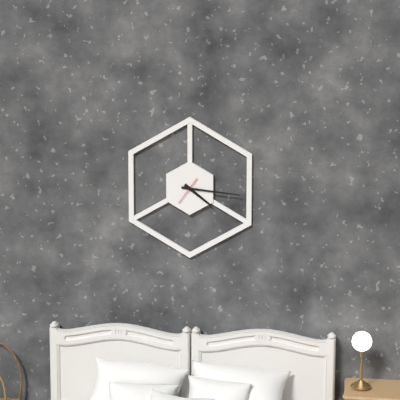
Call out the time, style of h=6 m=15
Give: h=4 m=16
